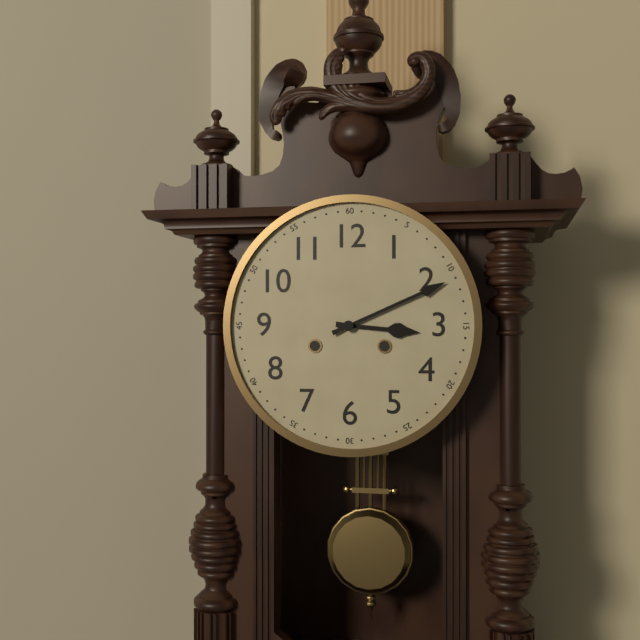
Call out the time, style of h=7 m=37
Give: h=3 m=11
